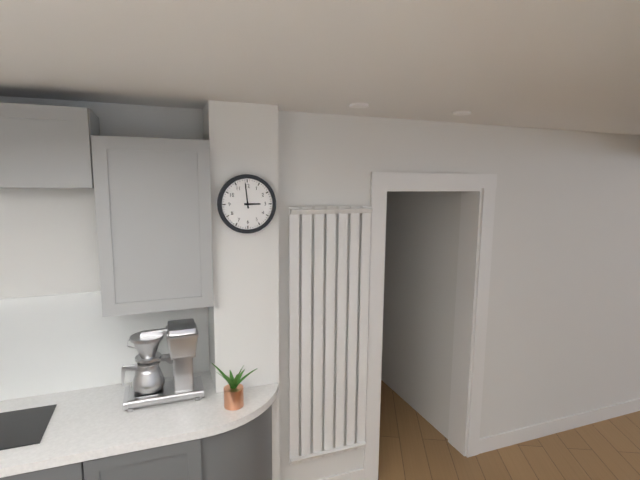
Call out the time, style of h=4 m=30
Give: h=2 m=59
